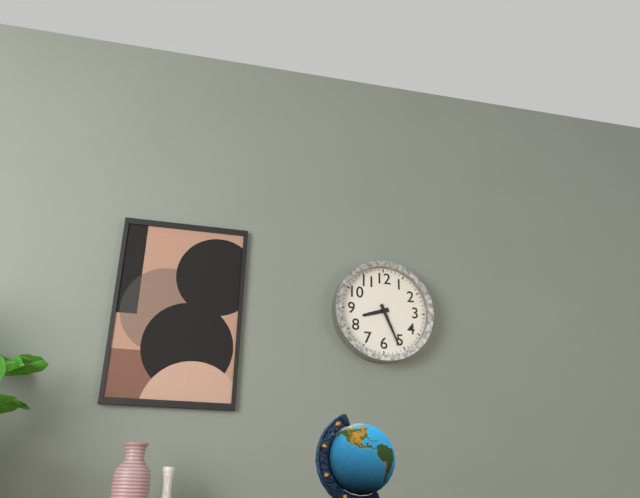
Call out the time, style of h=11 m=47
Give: h=8 m=26
